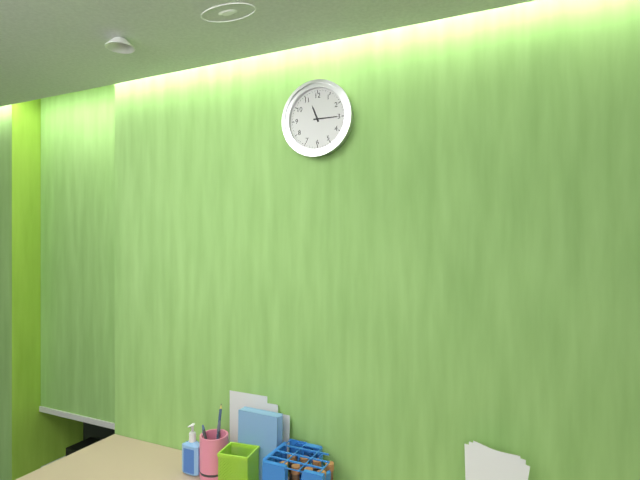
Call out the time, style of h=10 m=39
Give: h=11 m=15
